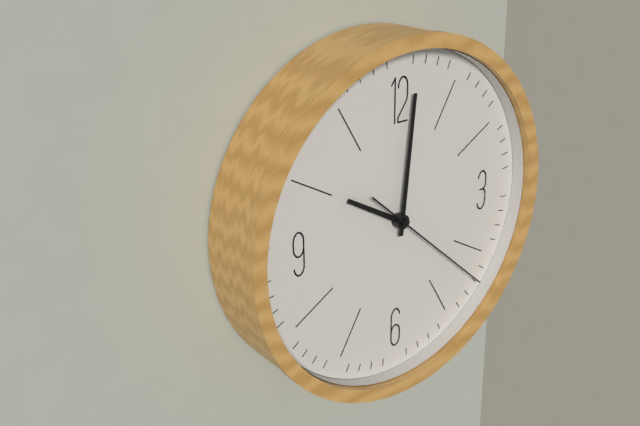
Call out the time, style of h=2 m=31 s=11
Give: h=10 m=1 s=22
